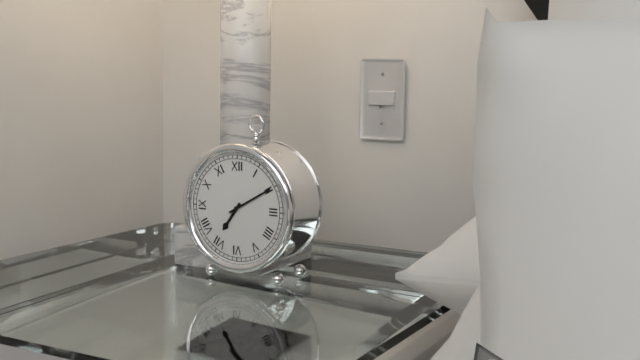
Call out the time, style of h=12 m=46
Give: h=7 m=10
